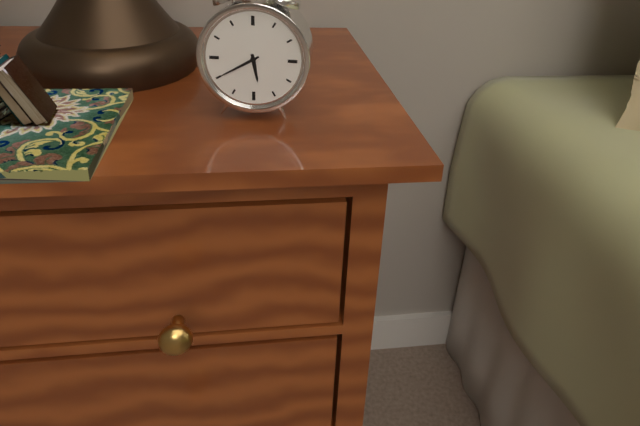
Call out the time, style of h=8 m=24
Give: h=5 m=40
